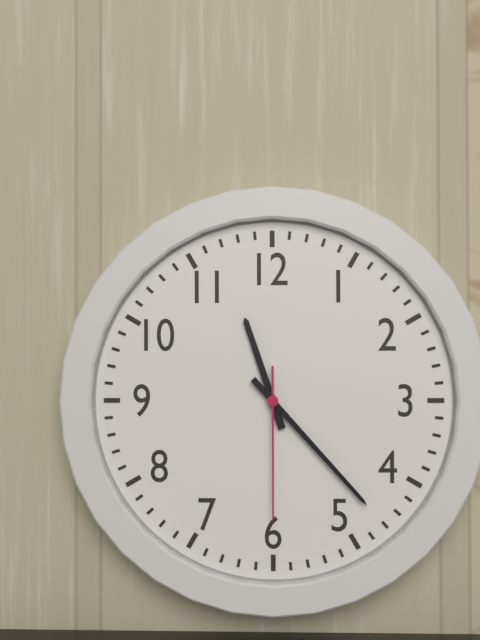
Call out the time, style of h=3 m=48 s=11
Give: h=11 m=23 s=30
